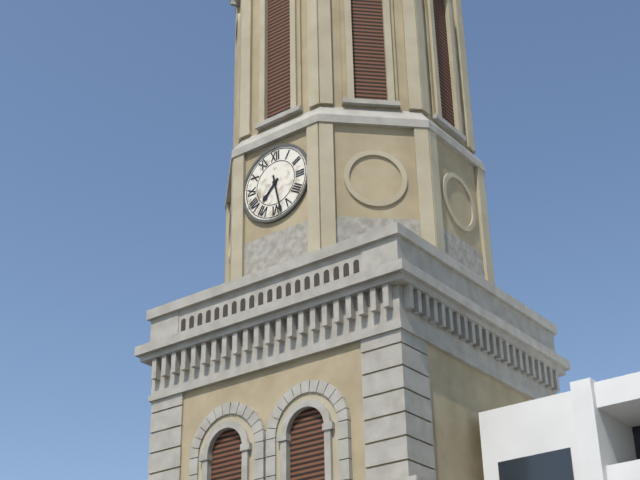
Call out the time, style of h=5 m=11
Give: h=7 m=28
